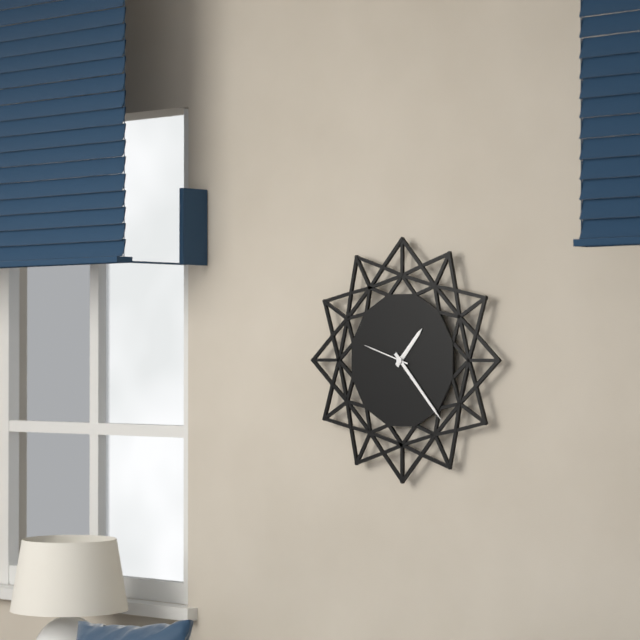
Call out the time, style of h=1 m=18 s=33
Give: h=1 m=23 s=48
